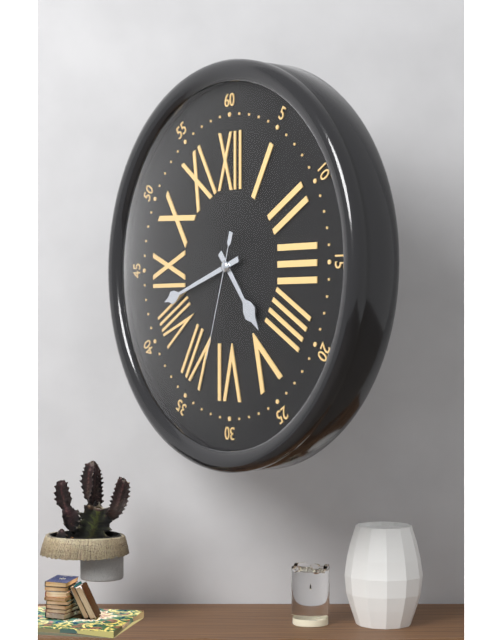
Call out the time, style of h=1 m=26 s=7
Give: h=4 m=42 s=33
